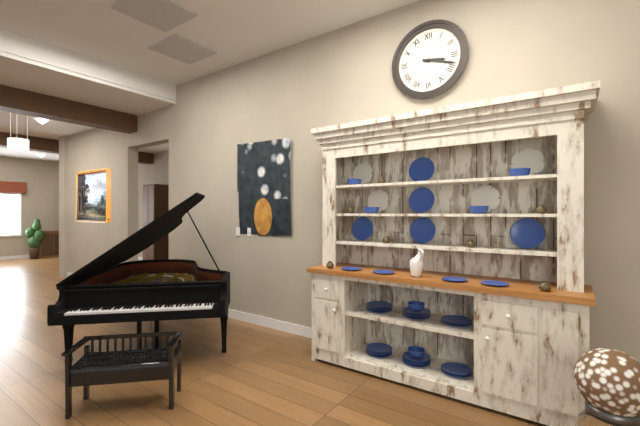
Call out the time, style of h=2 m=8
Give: h=3 m=18
